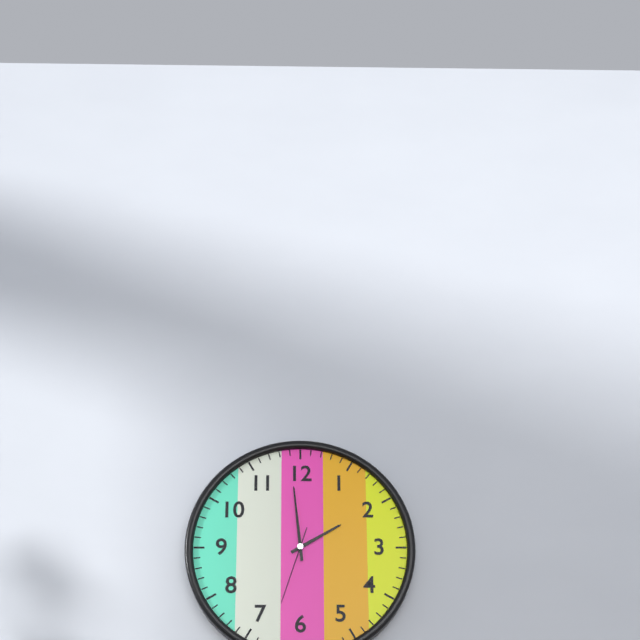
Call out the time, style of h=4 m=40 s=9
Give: h=1 m=59 s=33
